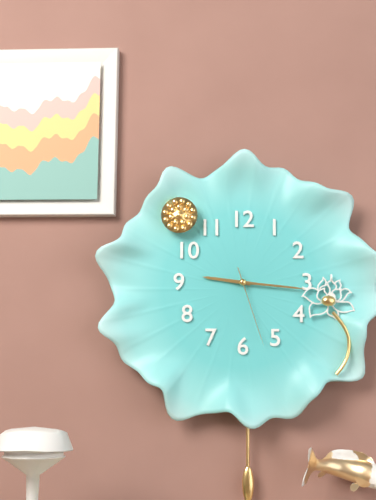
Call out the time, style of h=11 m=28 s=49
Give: h=9 m=16 s=27
